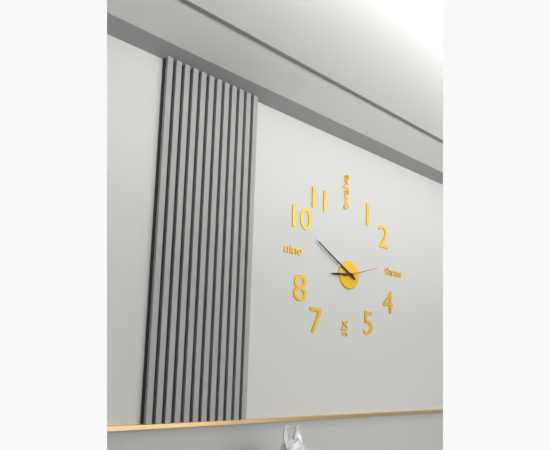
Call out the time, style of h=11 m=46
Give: h=8 m=50
